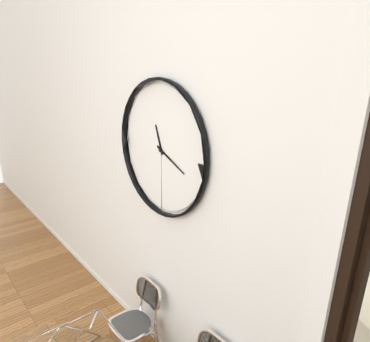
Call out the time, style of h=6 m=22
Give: h=11 m=19
